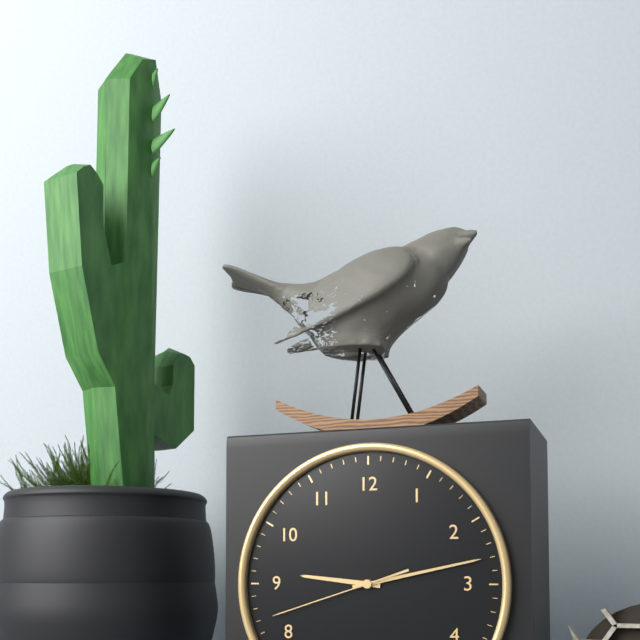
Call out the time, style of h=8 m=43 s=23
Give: h=9 m=13 s=42
